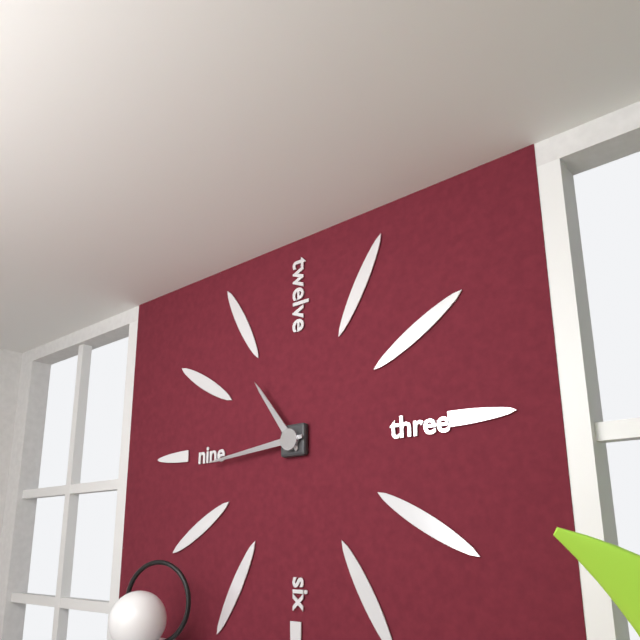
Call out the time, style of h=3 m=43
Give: h=10 m=44
